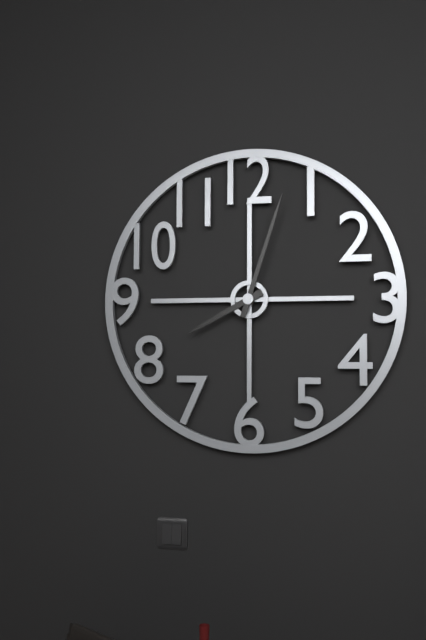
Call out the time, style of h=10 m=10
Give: h=8 m=3
